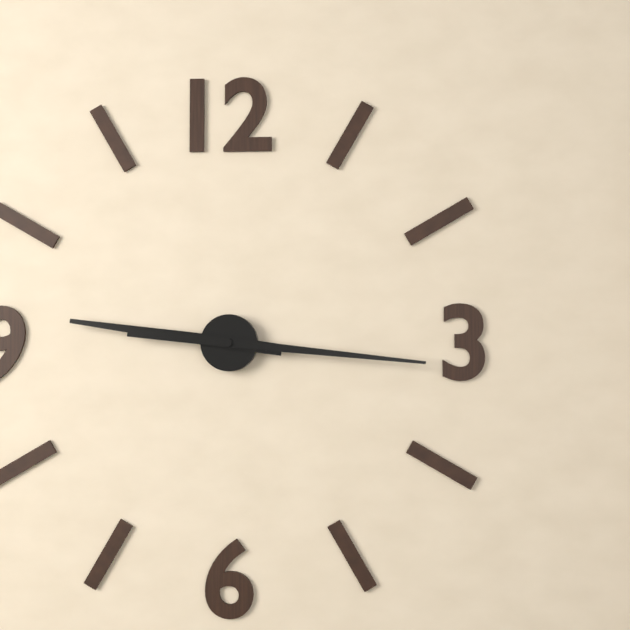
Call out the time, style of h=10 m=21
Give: h=9 m=16
